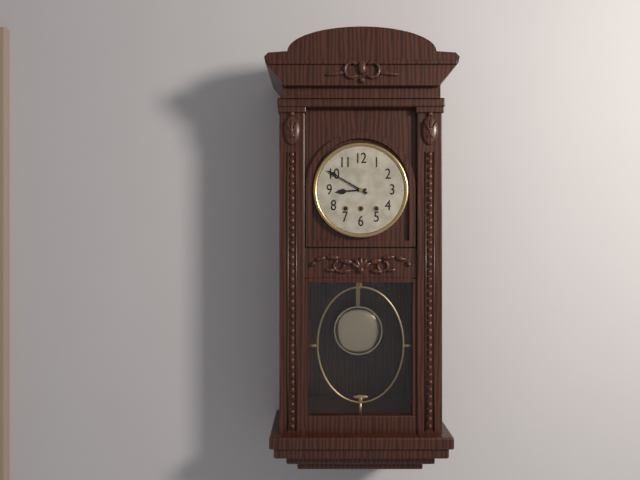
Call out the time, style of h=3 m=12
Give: h=8 m=50
